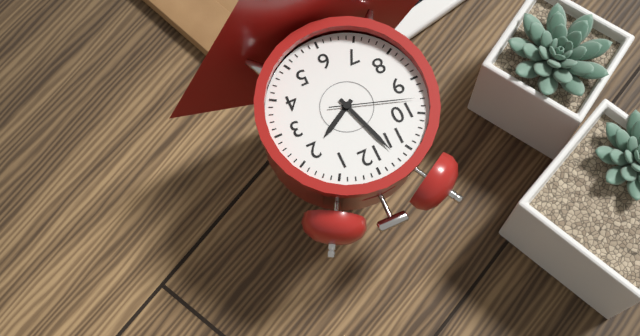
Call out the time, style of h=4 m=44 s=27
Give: h=1 m=57 s=48
